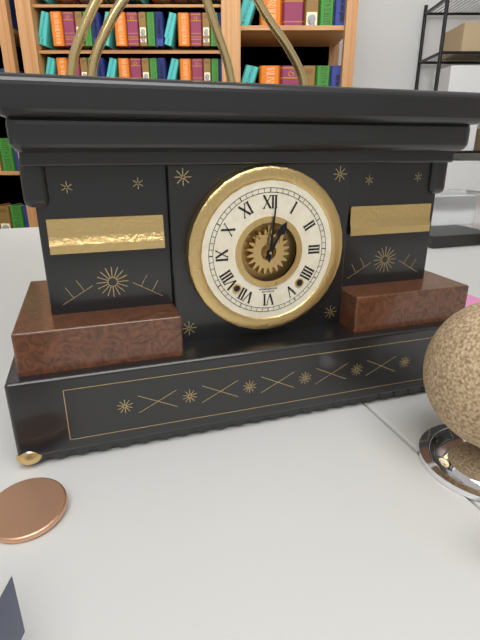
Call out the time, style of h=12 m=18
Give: h=1 m=1
